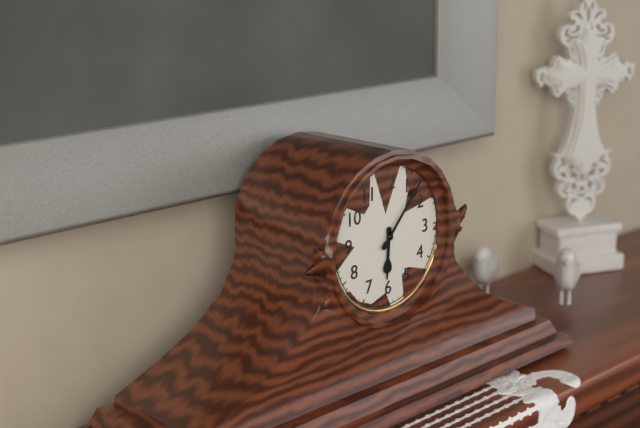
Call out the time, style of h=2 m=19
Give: h=6 m=7
